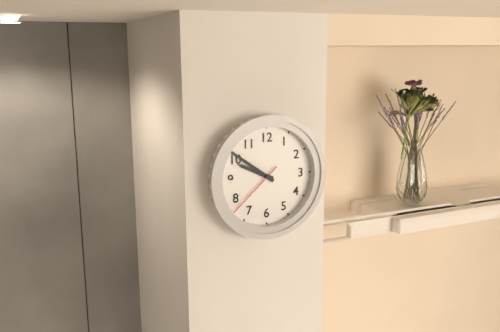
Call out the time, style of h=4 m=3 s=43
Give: h=9 m=51 s=38
